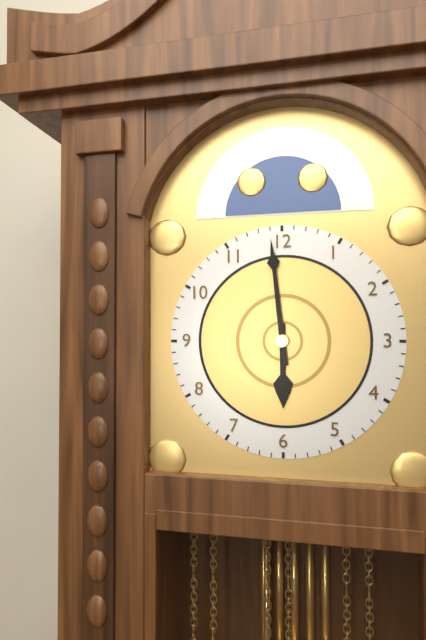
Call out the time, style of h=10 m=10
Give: h=5 m=59
